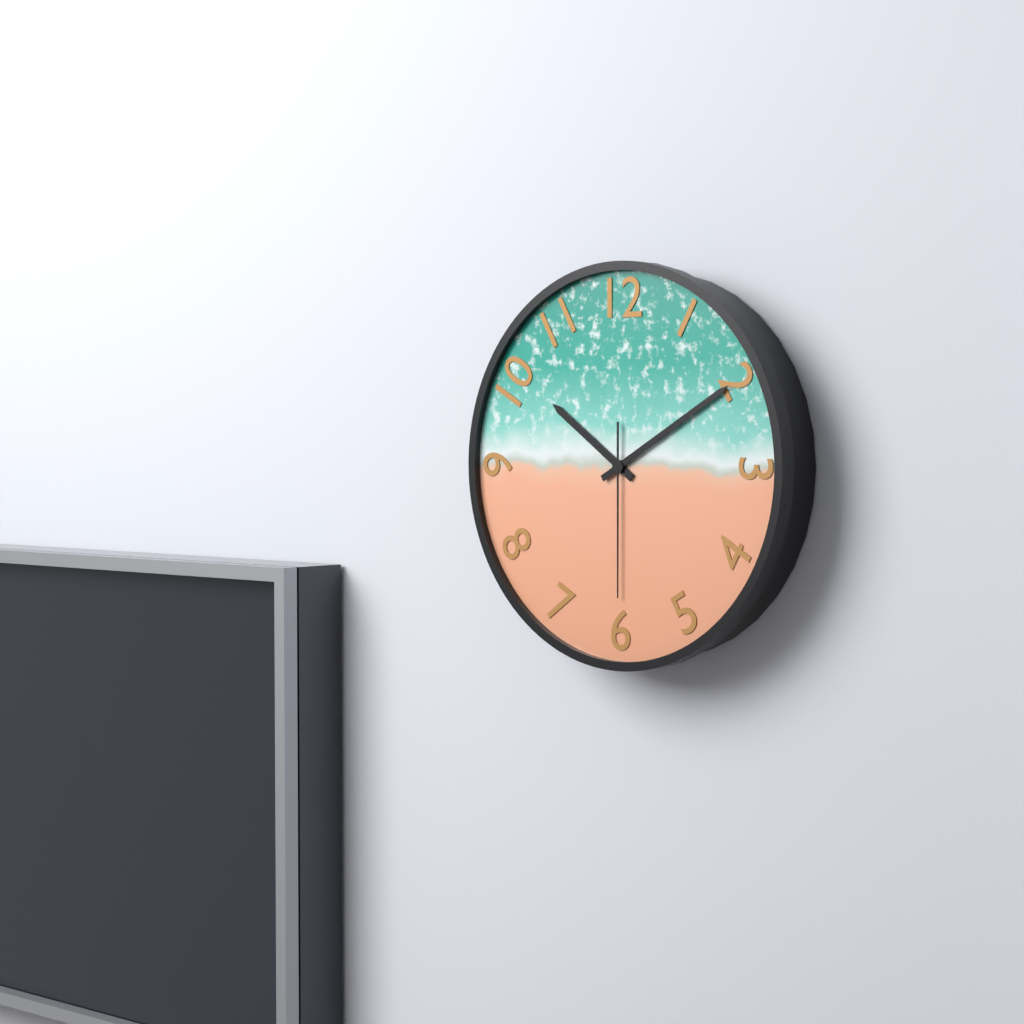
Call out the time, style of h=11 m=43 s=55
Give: h=10 m=10 s=30
